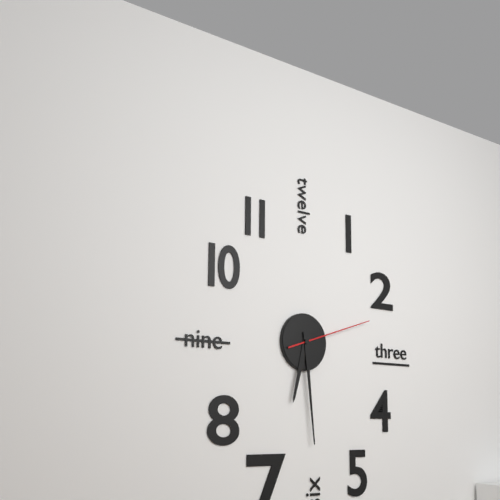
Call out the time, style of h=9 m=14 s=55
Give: h=6 m=29 s=12
